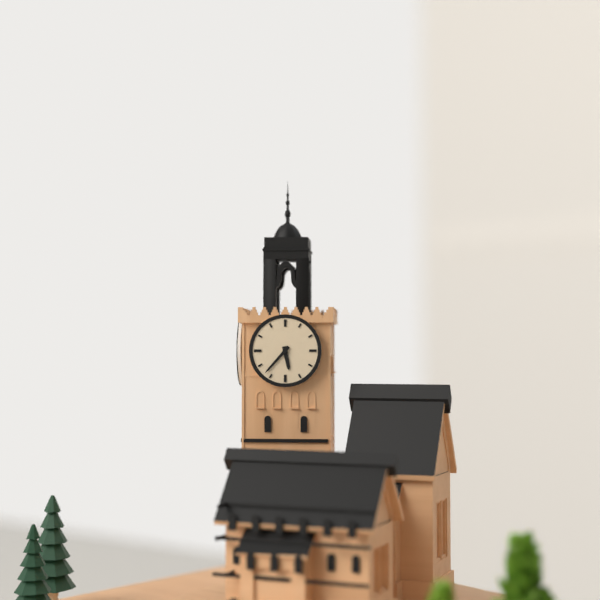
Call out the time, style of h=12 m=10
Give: h=5 m=37
